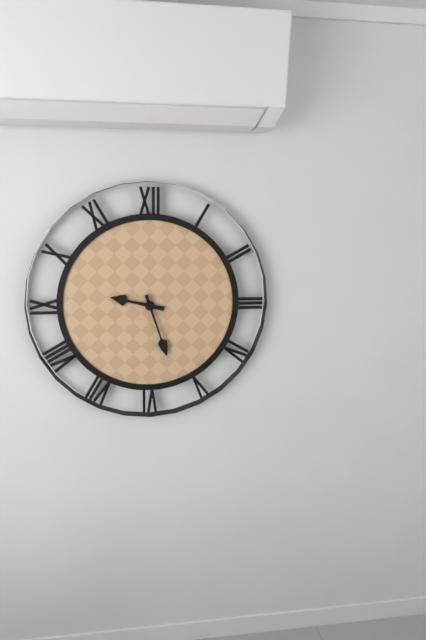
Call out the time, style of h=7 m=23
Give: h=9 m=27
